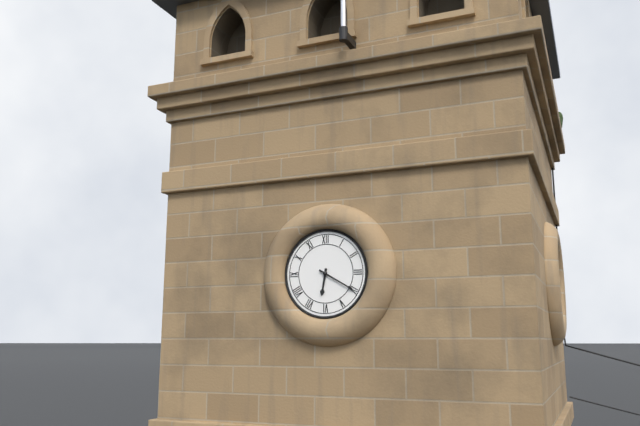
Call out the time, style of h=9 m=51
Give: h=6 m=20
